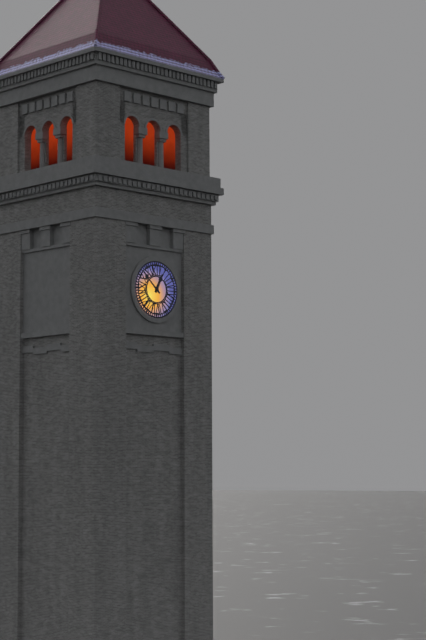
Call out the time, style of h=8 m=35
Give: h=12 m=52
